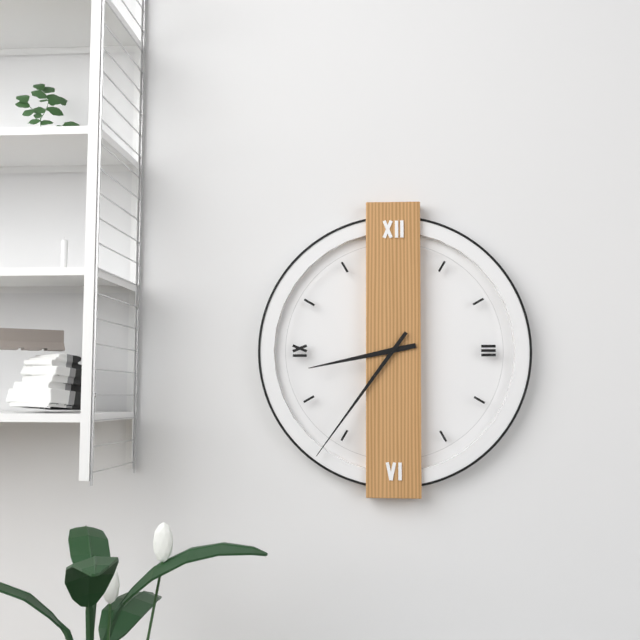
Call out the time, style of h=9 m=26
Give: h=8 m=36
